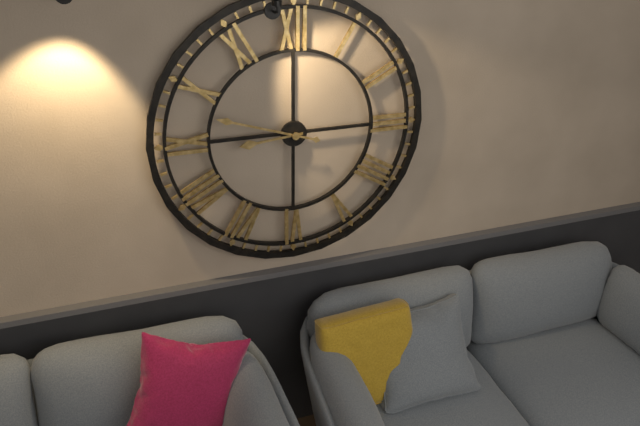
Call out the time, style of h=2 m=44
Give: h=8 m=48
